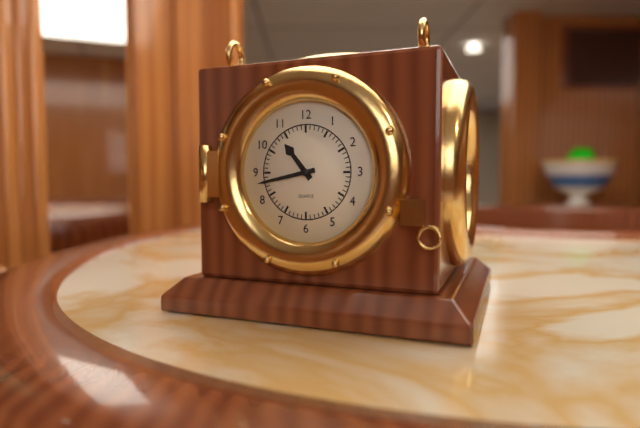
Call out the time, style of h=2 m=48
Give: h=10 m=43
